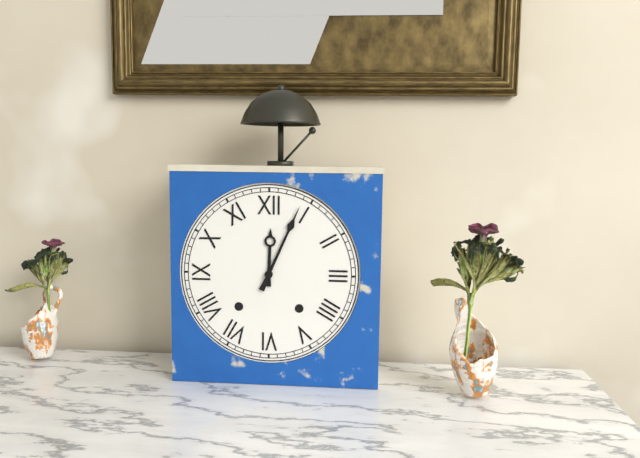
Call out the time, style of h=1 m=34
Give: h=12 m=4
